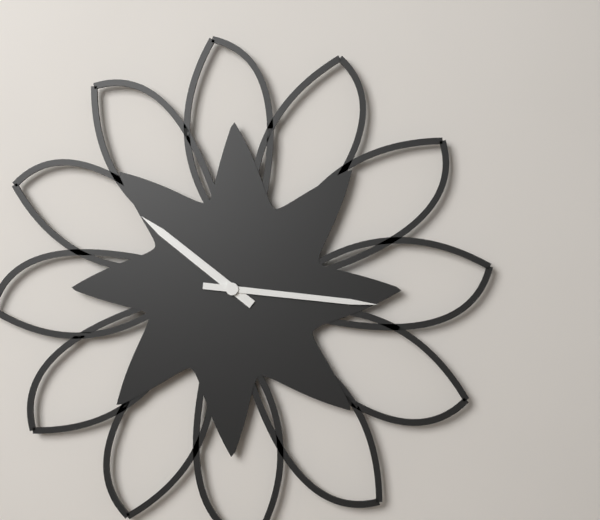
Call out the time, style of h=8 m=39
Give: h=10 m=16
